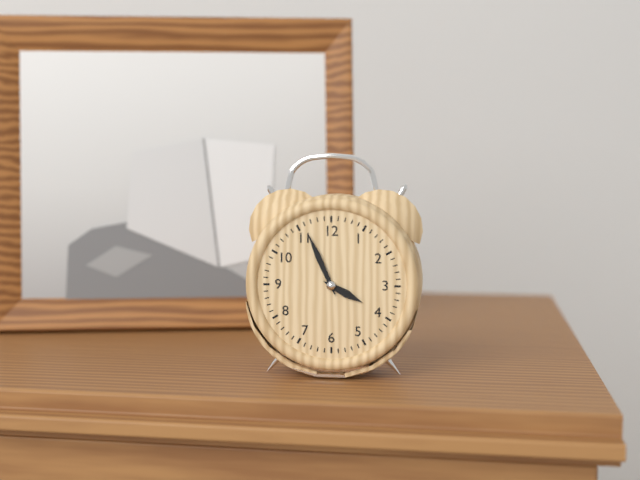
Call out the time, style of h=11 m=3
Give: h=3 m=56
